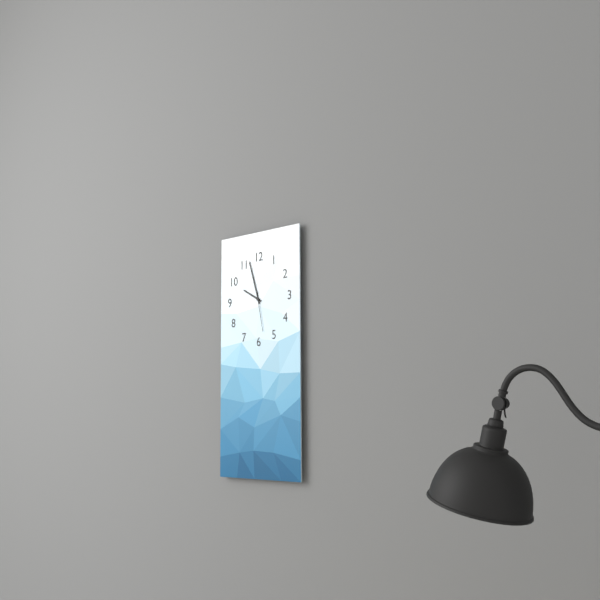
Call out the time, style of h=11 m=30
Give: h=9 m=57
